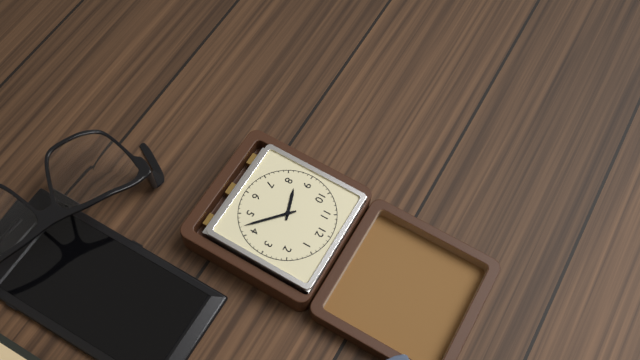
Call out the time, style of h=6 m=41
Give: h=8 m=22
